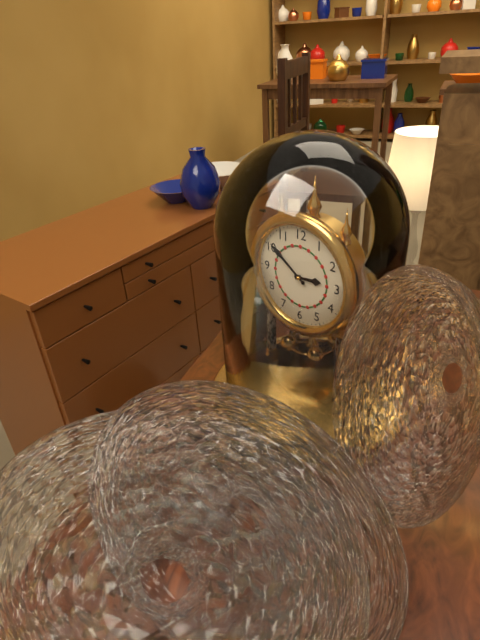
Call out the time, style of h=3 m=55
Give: h=2 m=51
